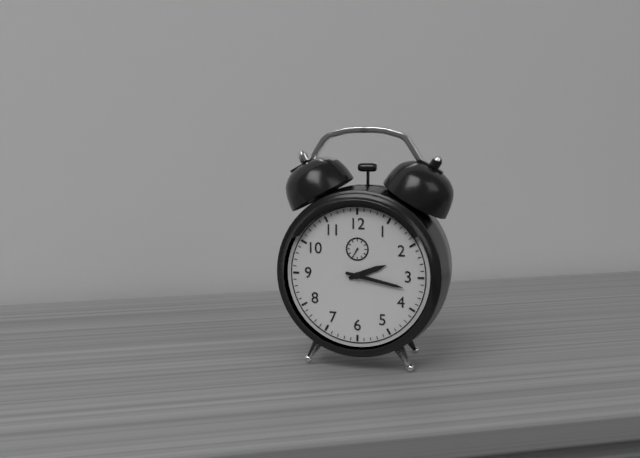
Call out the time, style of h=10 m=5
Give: h=2 m=17
